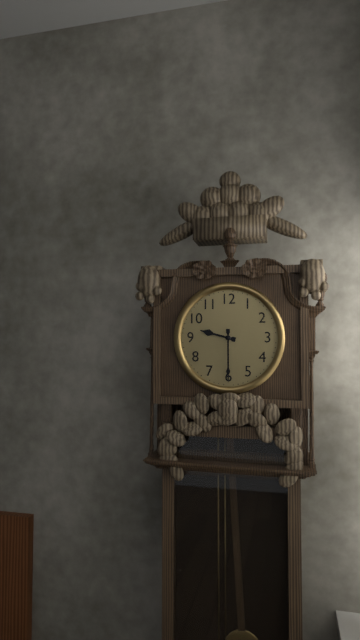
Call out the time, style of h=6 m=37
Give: h=9 m=30
